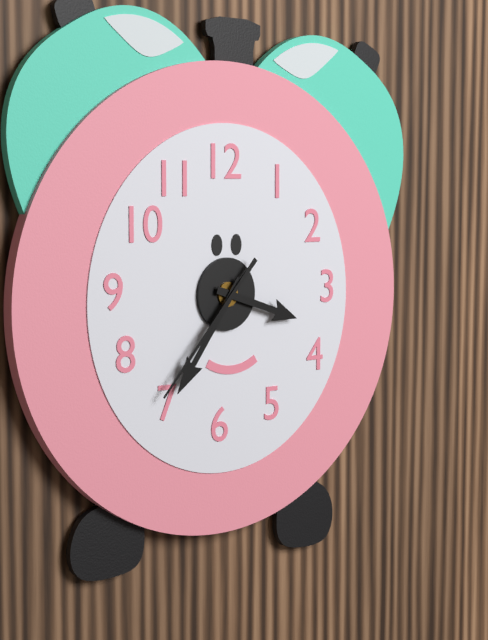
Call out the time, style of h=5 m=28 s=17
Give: h=3 m=36 s=37
